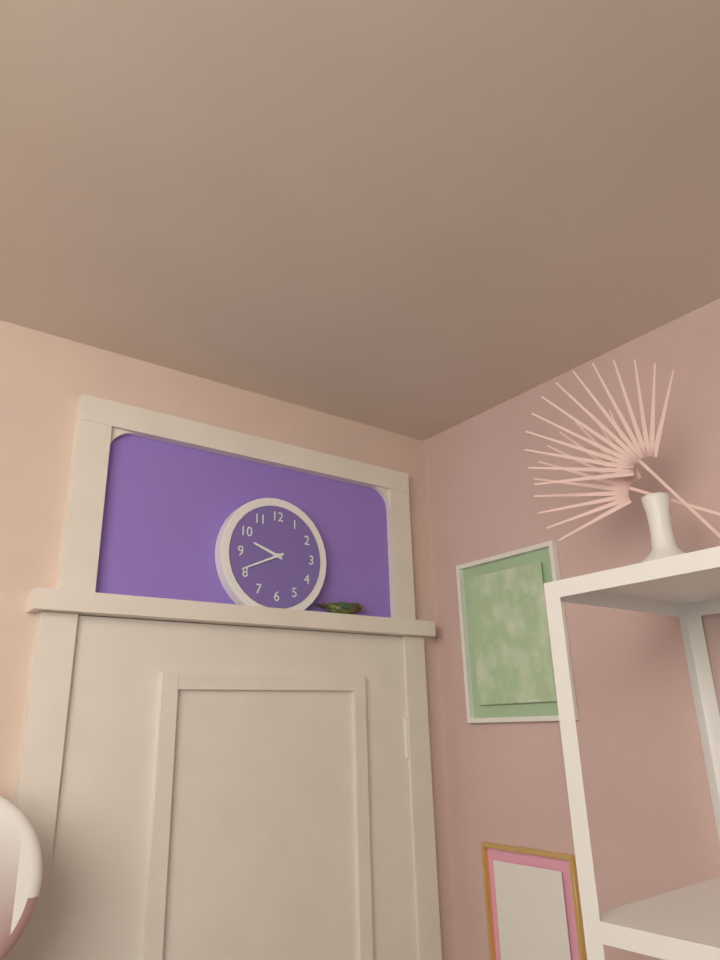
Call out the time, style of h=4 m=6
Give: h=9 m=41
